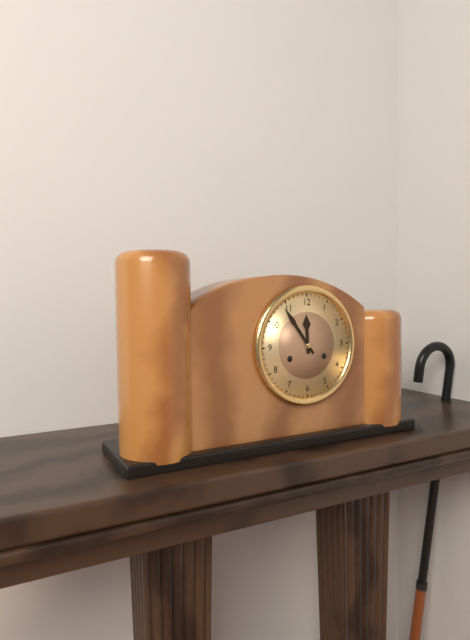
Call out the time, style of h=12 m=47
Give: h=11 m=54
